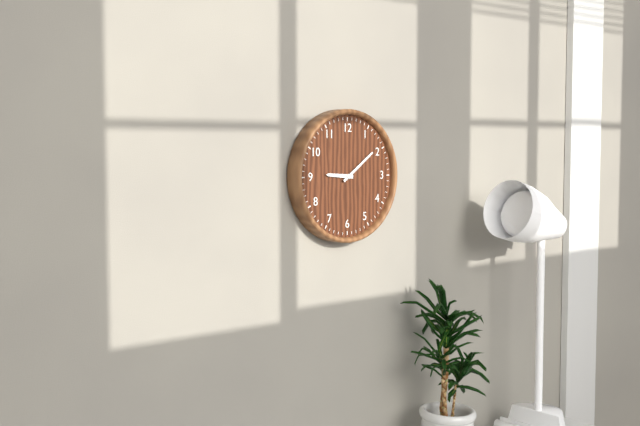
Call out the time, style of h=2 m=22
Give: h=9 m=9
